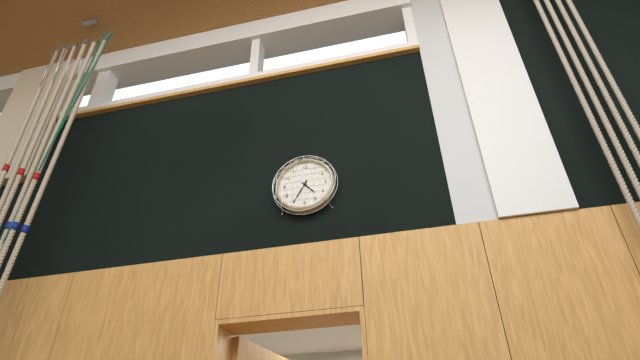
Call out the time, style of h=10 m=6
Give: h=4 m=35
